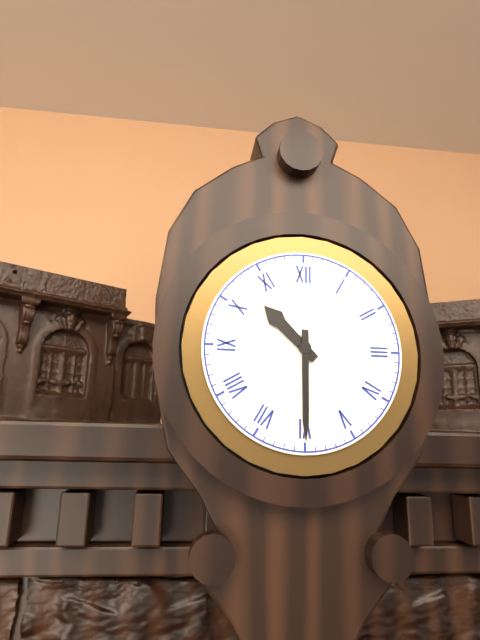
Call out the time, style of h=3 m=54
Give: h=10 m=30
